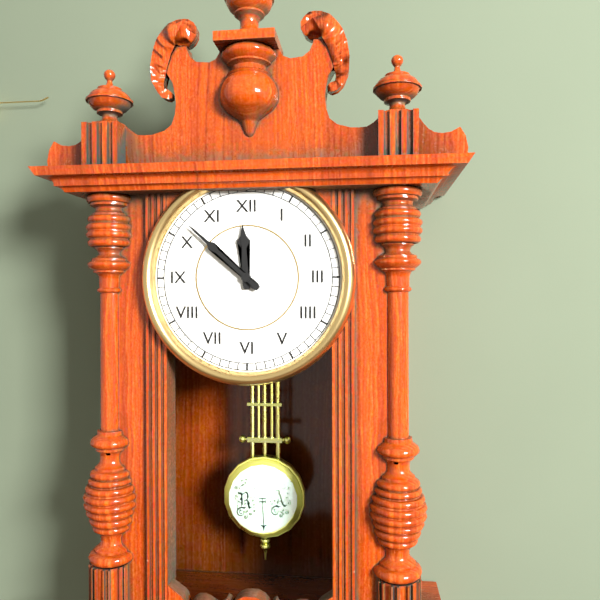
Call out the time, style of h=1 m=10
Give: h=11 m=52
